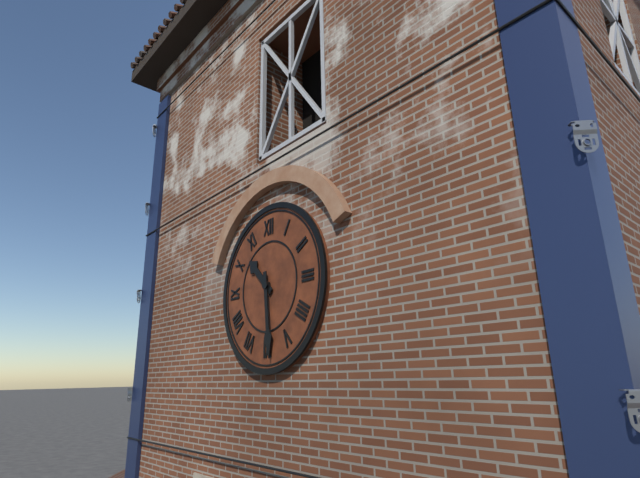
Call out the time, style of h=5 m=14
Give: h=10 m=29
